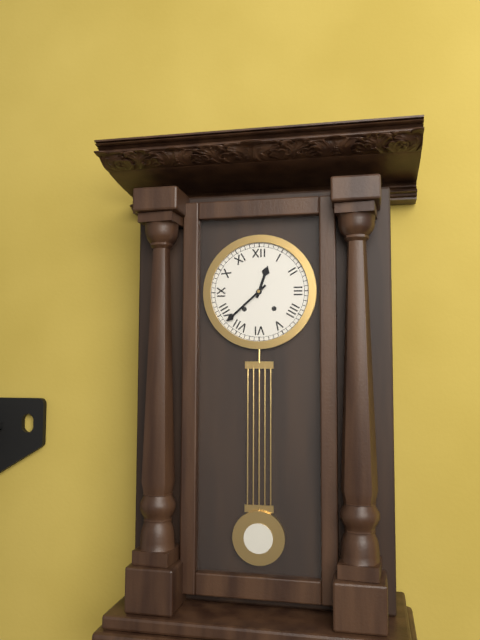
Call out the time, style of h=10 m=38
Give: h=12 m=38
